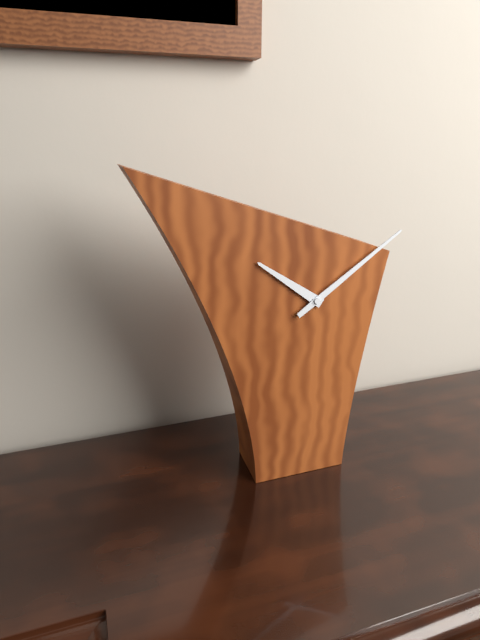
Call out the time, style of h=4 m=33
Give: h=10 m=9
